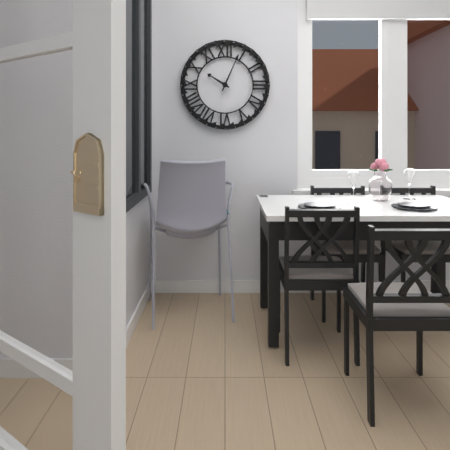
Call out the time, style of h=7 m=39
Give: h=10 m=4
